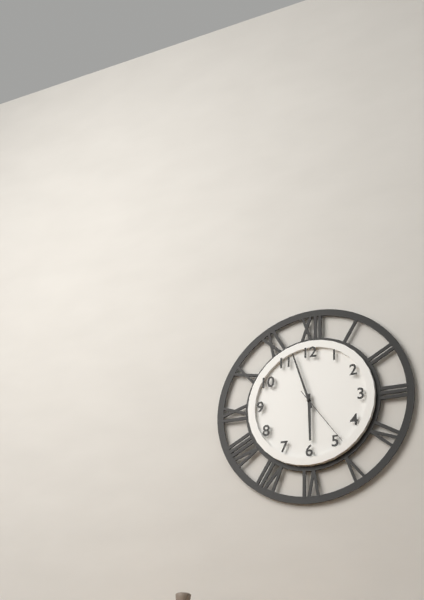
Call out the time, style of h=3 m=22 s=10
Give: h=5 m=57 s=24
